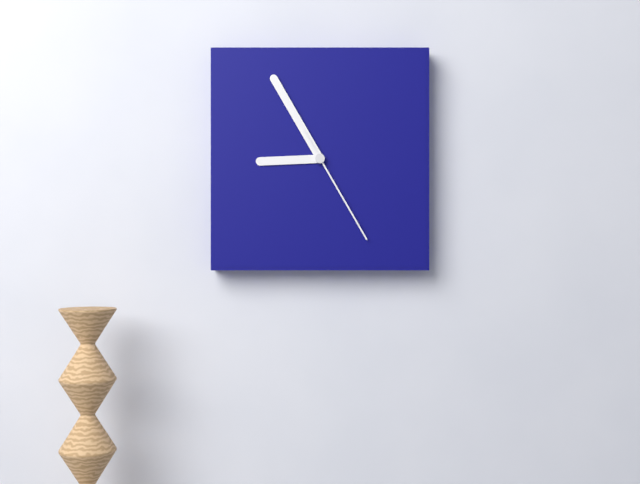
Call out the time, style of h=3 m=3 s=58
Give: h=8 m=55 s=25
